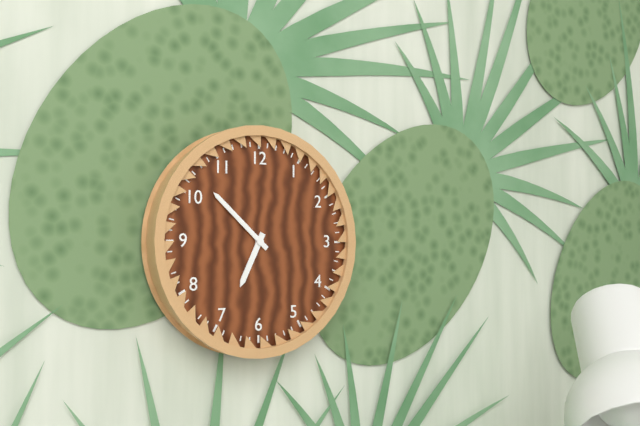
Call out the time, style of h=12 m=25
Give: h=6 m=52
